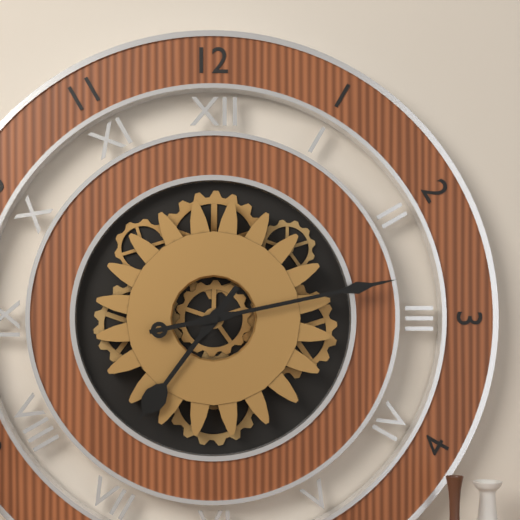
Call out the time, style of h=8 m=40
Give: h=7 m=13
